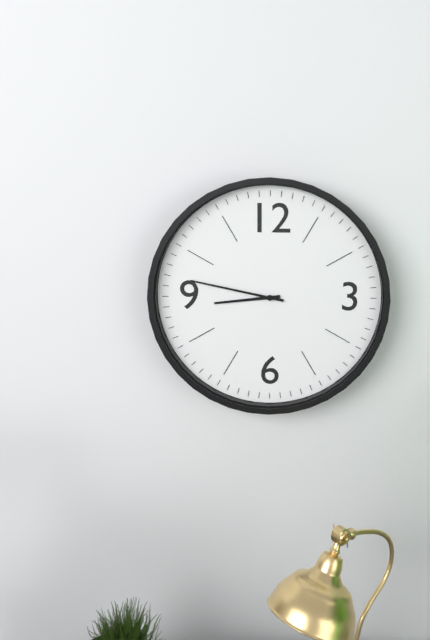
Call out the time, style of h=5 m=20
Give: h=8 m=47
